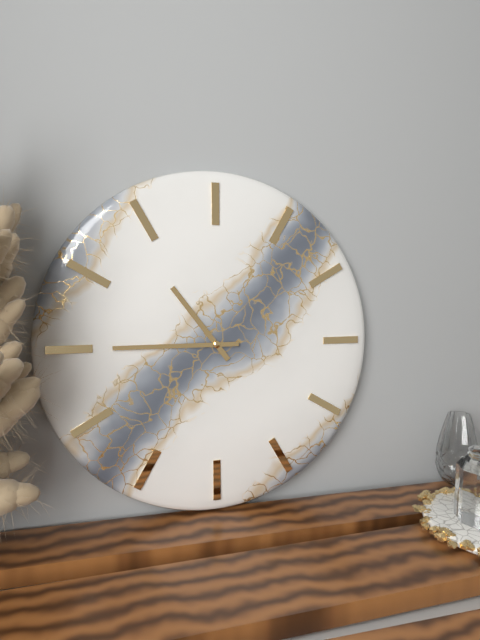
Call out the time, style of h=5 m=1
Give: h=10 m=45
